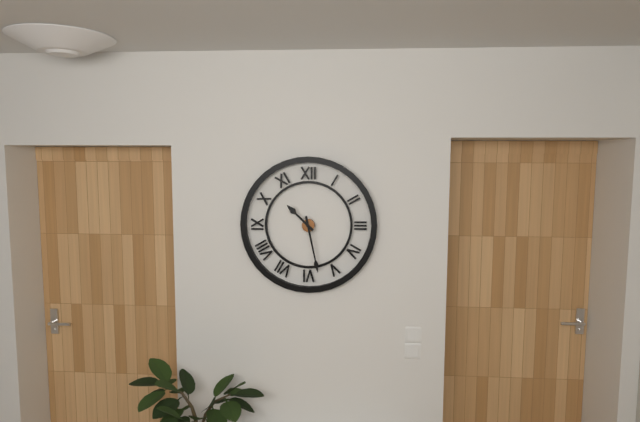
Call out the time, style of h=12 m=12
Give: h=10 m=28
